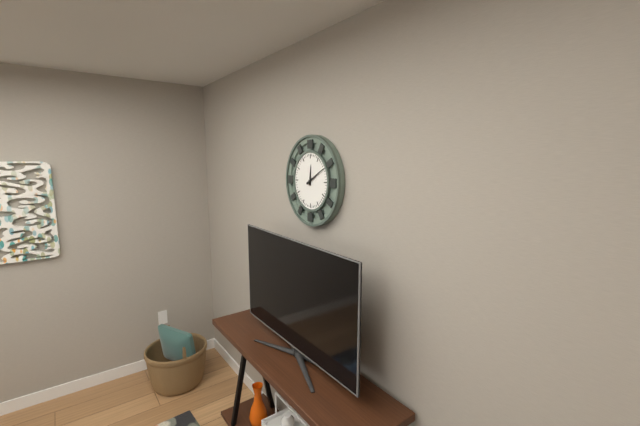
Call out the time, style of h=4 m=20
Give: h=12 m=10
